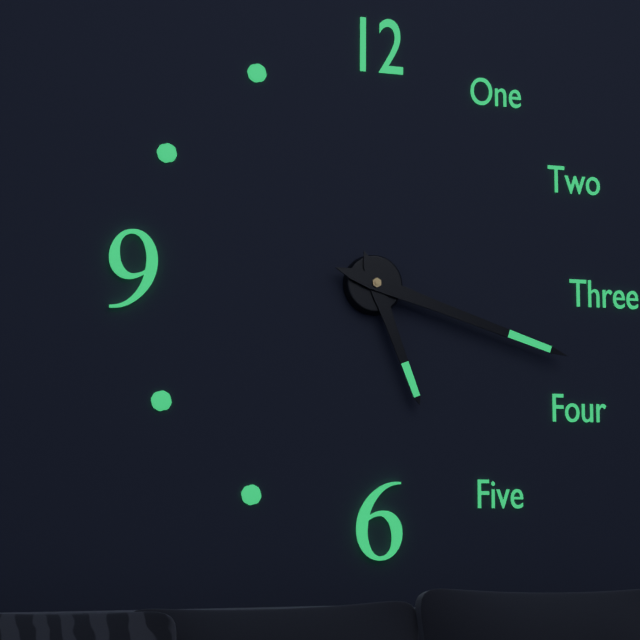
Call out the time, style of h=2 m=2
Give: h=5 m=18
